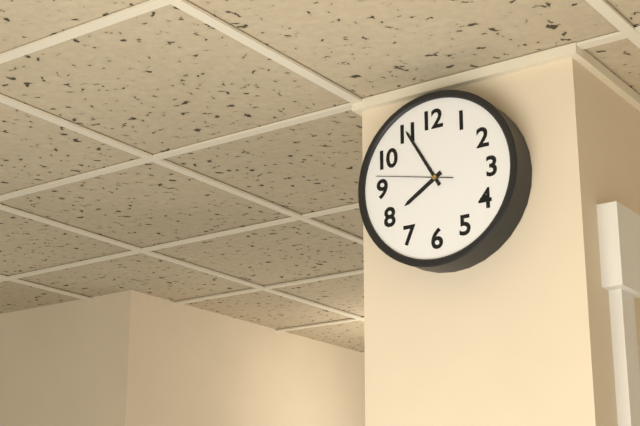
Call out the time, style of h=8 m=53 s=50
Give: h=7 m=55 s=47
